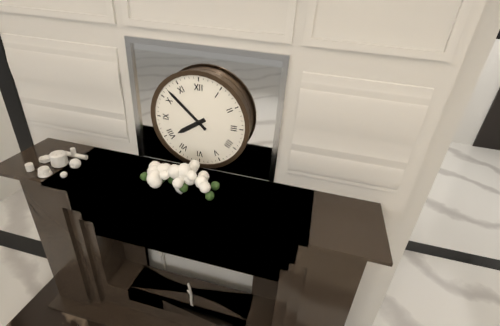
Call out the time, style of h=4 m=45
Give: h=7 m=52
